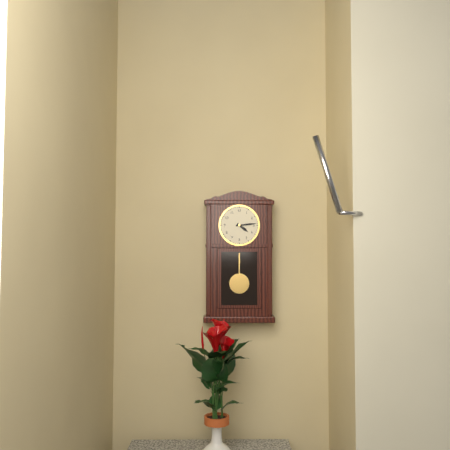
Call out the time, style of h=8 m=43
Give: h=4 m=14
